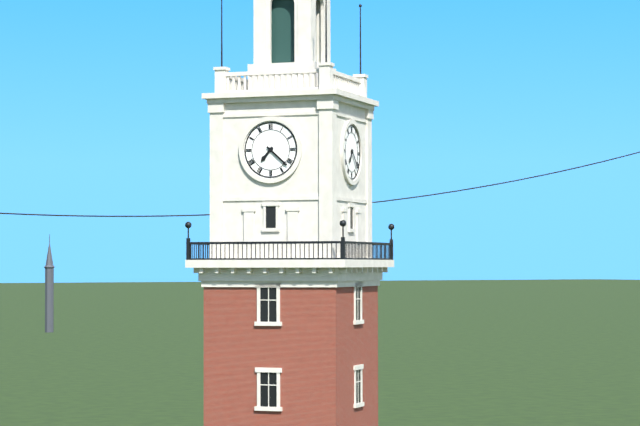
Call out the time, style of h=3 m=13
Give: h=7 m=22
